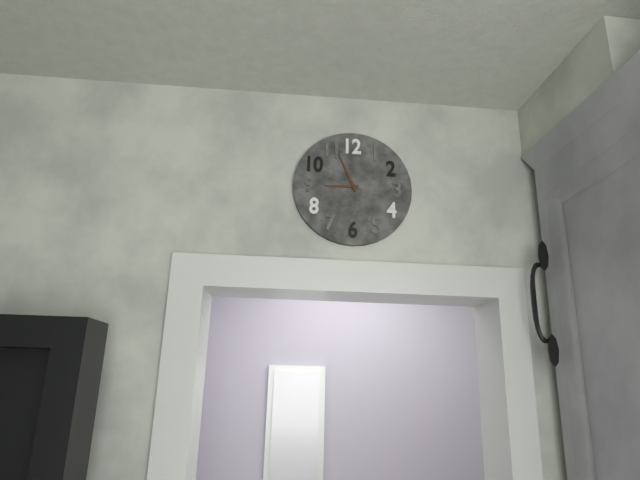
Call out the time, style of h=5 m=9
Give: h=8 m=56
